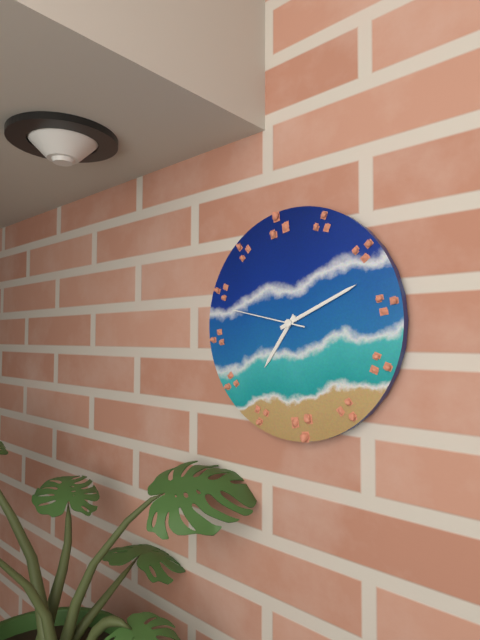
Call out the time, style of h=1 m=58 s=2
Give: h=7 m=11 s=47
